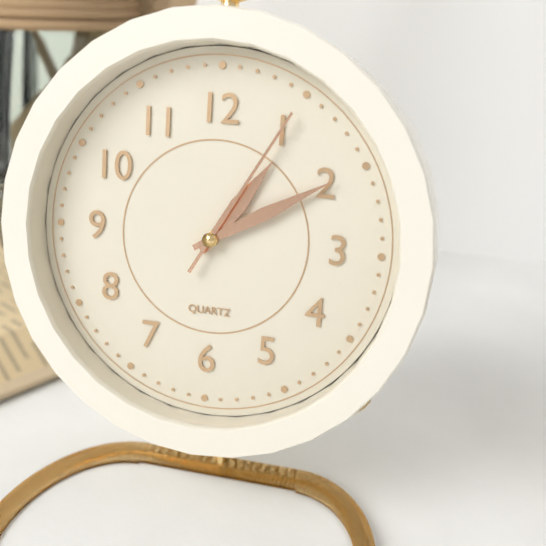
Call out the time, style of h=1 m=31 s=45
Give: h=1 m=10 s=5
